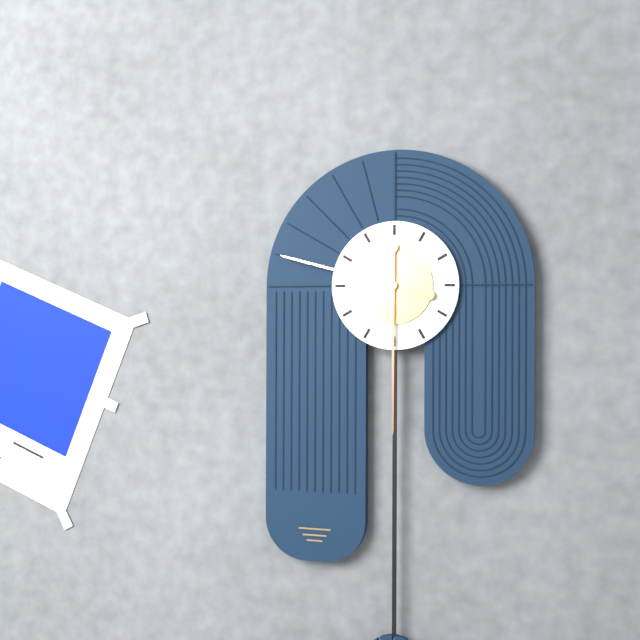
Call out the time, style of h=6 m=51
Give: h=9 m=30
